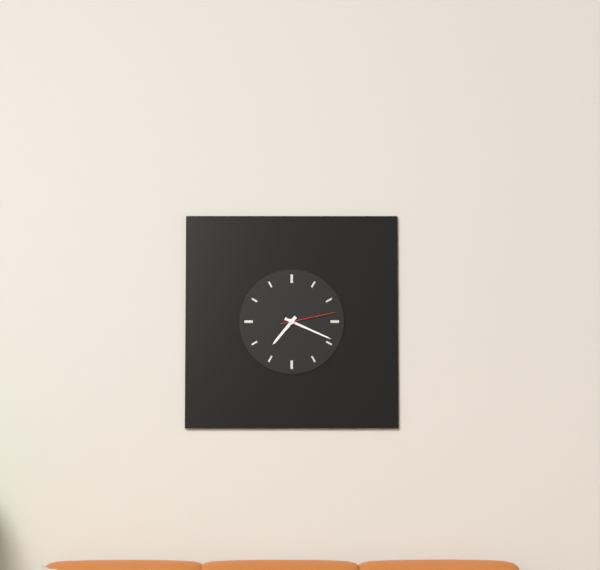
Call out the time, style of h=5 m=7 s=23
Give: h=7 m=19 s=13
